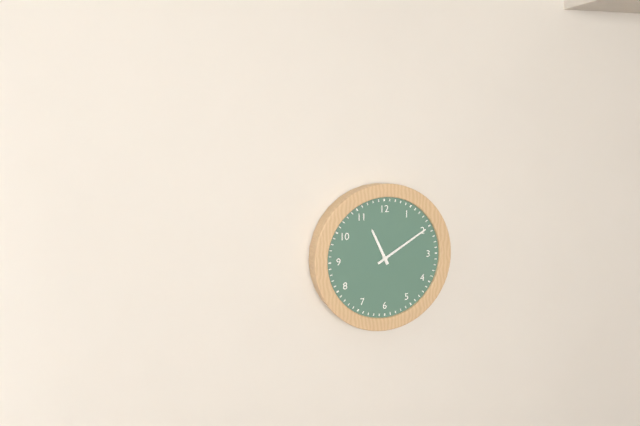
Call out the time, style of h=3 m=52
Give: h=11 m=10
